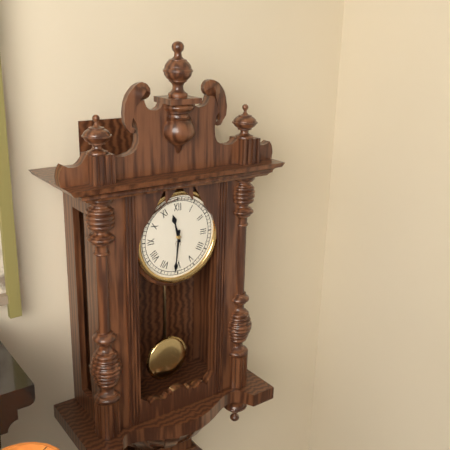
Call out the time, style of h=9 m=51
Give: h=11 m=31
